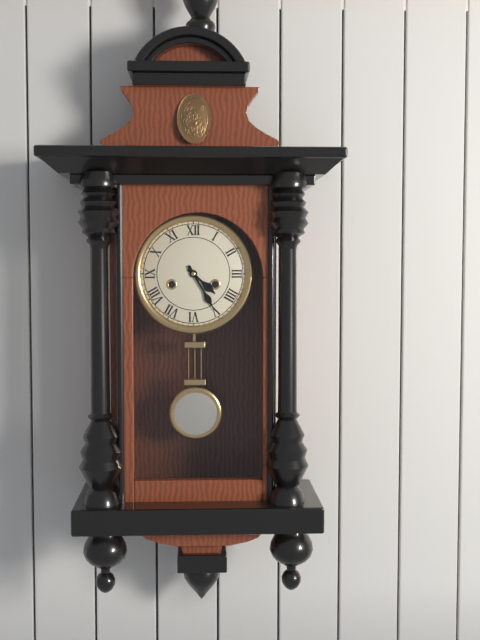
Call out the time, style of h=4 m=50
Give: h=4 m=25
